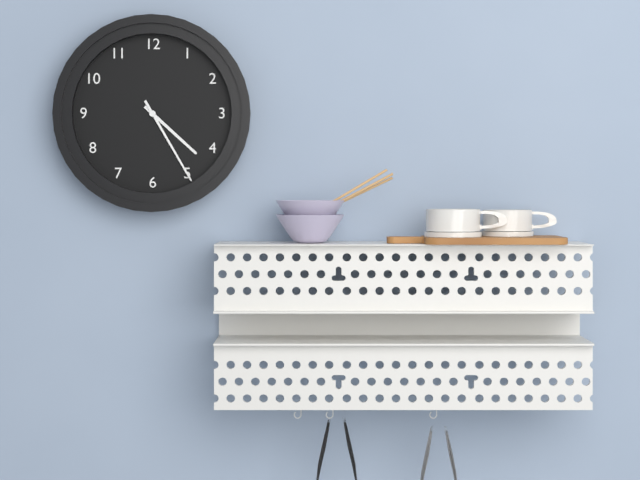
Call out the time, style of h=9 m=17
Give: h=4 m=25
